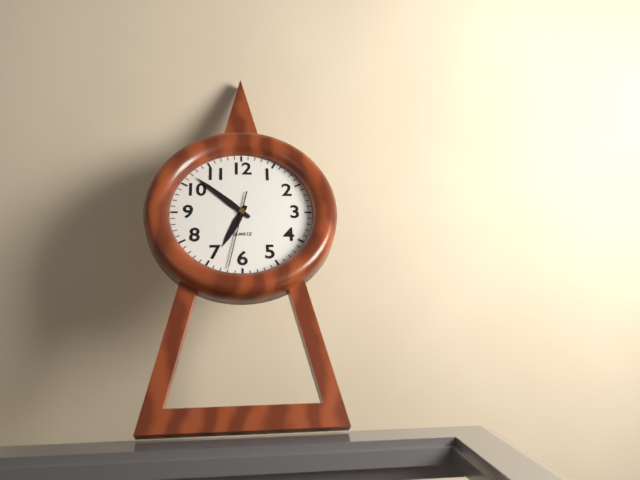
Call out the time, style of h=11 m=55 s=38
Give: h=6 m=52 s=32
